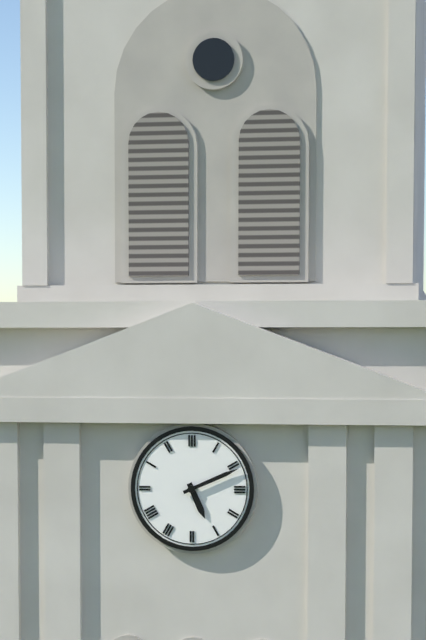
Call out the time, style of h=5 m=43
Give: h=5 m=11
